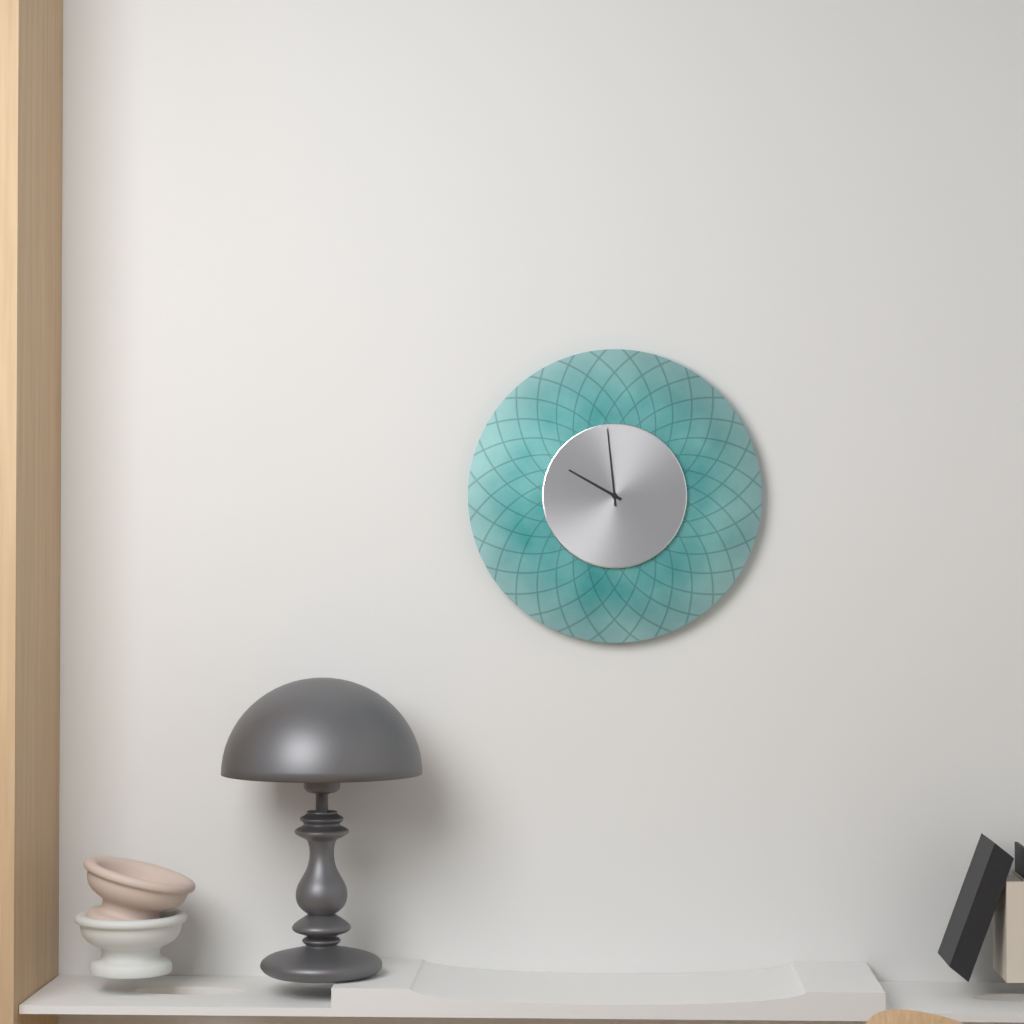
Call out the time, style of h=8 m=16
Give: h=9 m=59
